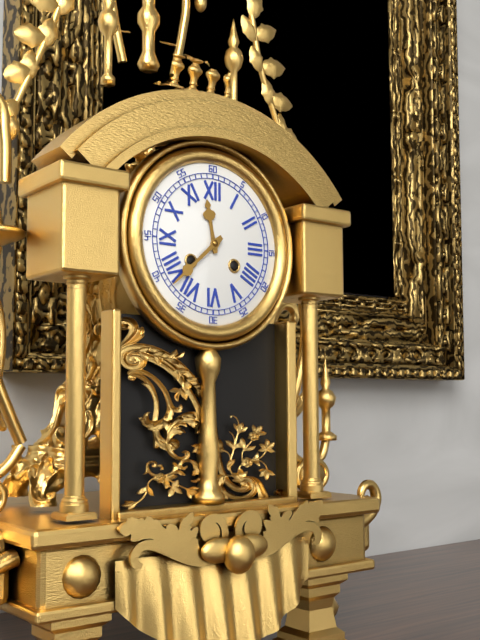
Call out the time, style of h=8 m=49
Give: h=11 m=38
